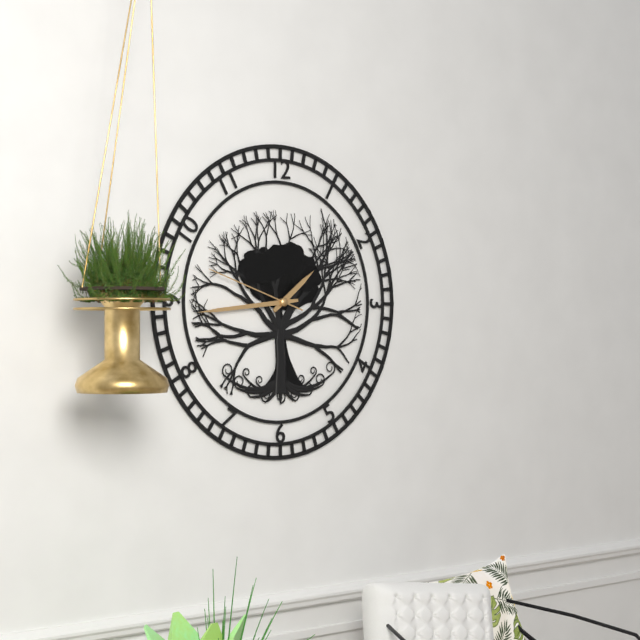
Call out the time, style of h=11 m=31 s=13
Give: h=1 m=44 s=48
